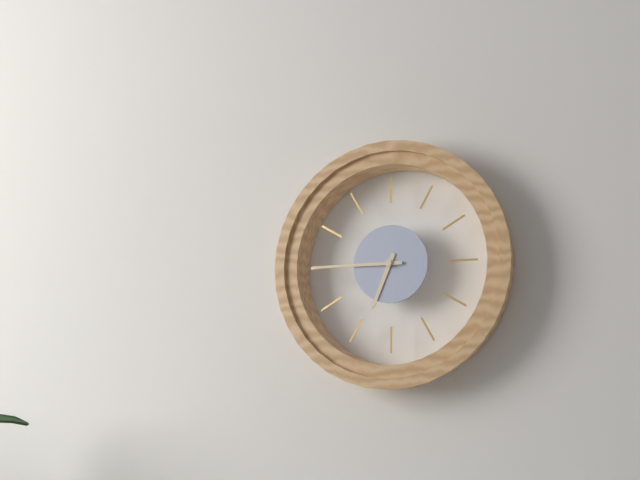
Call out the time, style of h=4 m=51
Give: h=6 m=45
